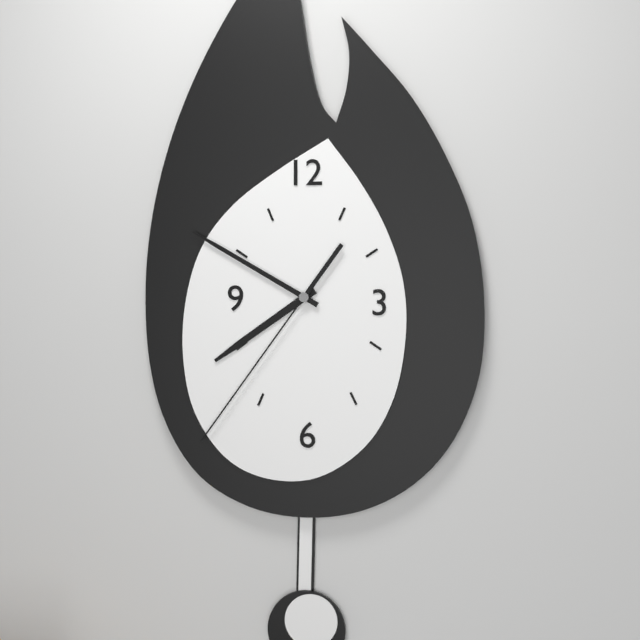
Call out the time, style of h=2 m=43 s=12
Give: h=7 m=50 s=36
